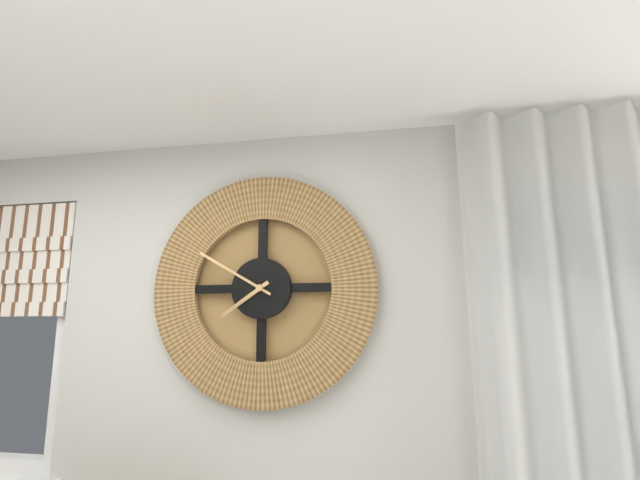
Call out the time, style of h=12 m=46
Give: h=7 m=50
